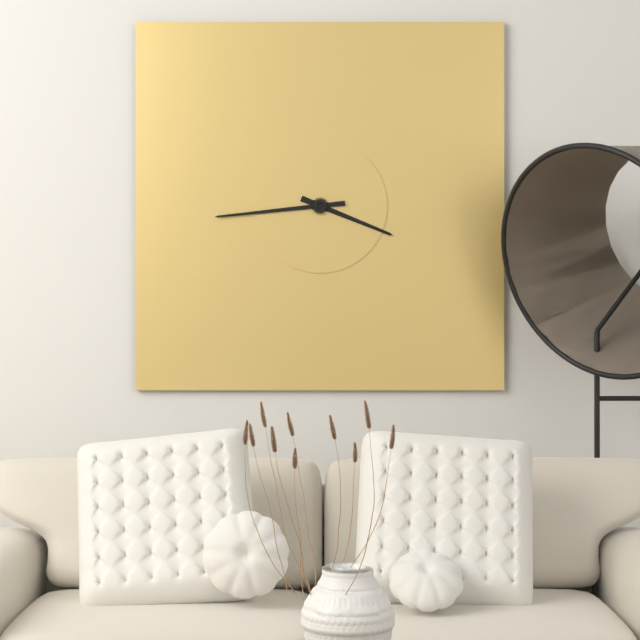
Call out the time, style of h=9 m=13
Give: h=3 m=44
